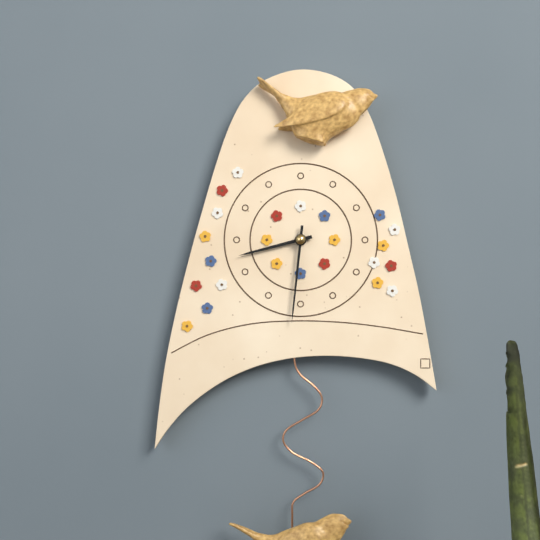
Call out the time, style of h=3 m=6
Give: h=8 m=31
